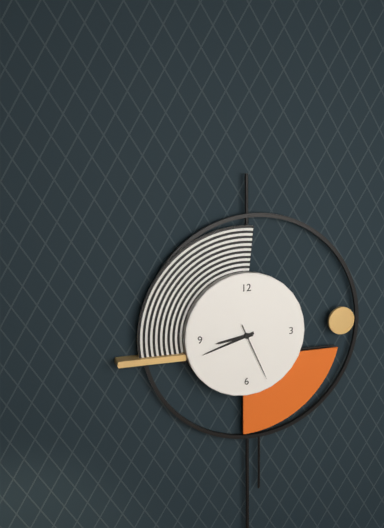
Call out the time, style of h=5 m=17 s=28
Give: h=8 m=42 s=26
